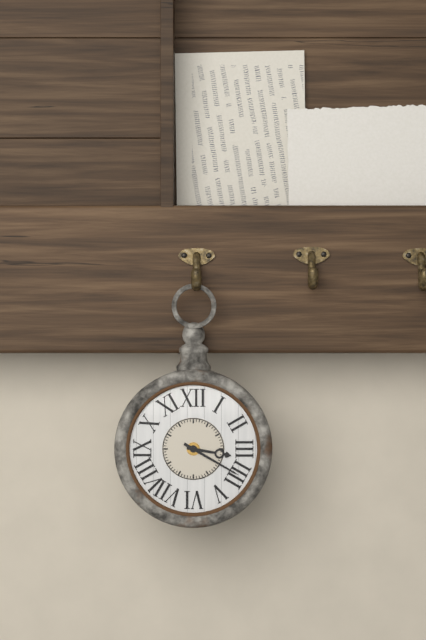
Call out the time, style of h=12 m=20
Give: h=3 m=20
